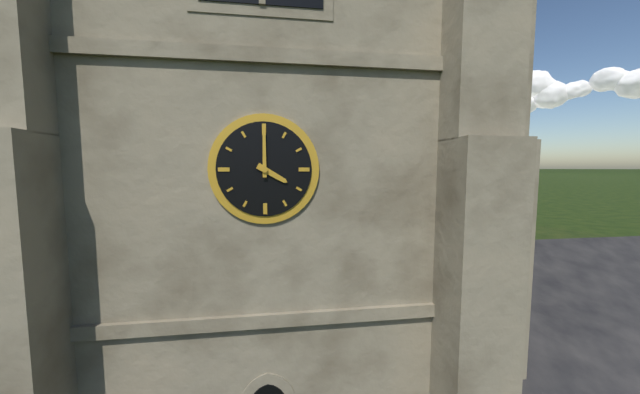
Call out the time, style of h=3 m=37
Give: h=4 m=0
